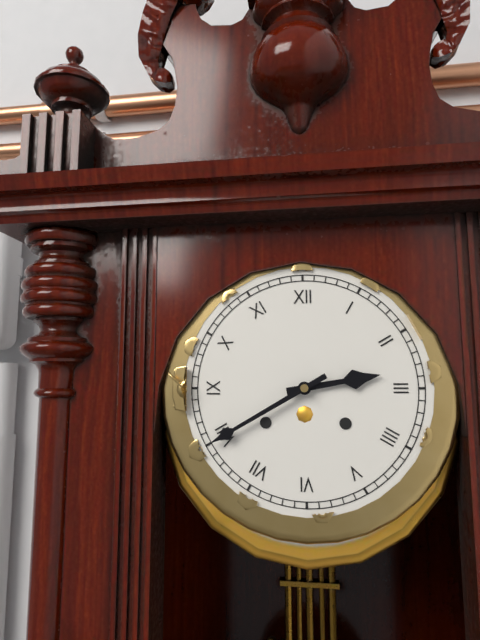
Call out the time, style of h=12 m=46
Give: h=2 m=40
